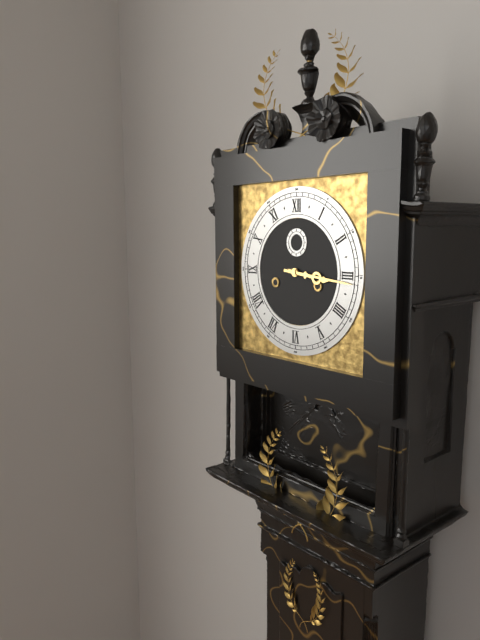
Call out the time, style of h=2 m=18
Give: h=3 m=16
